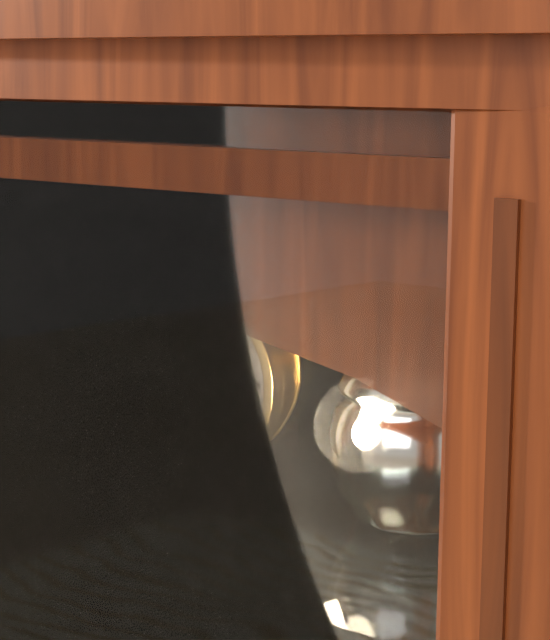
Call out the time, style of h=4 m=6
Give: h=7 m=49
